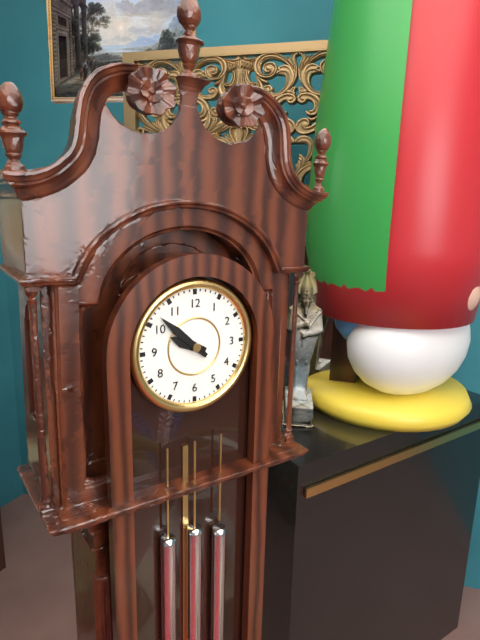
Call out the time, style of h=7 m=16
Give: h=9 m=52
